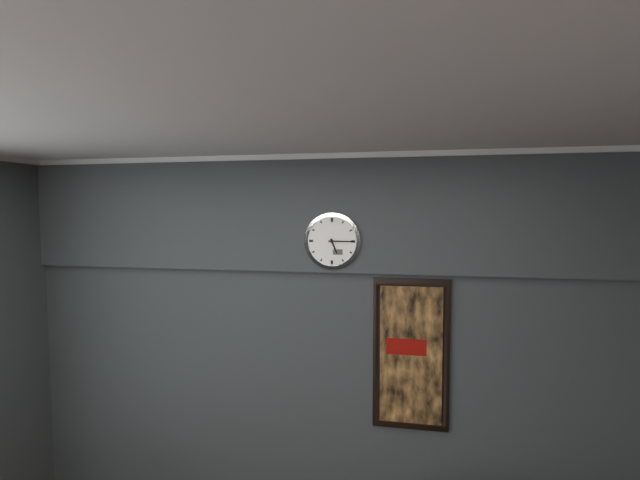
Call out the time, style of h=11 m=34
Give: h=5 m=15
